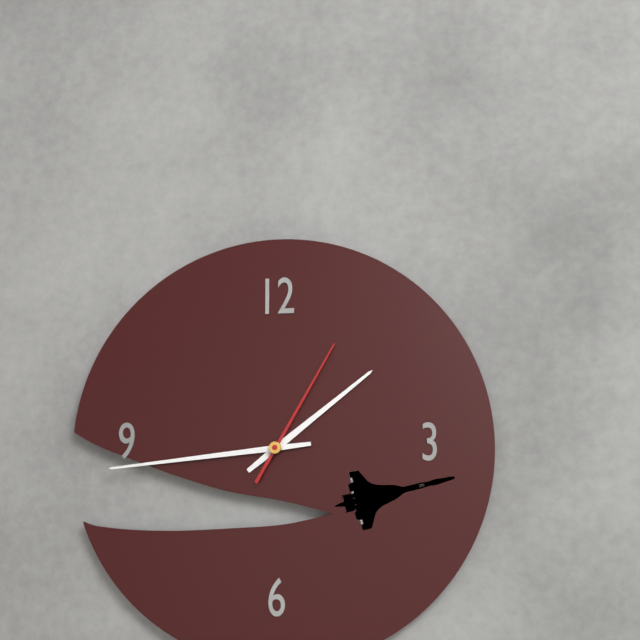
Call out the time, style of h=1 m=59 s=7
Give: h=1 m=44 s=5
